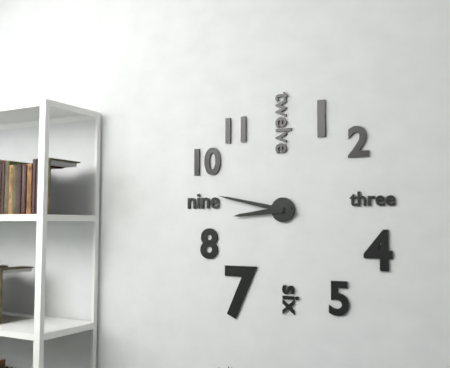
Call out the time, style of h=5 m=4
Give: h=8 m=47
